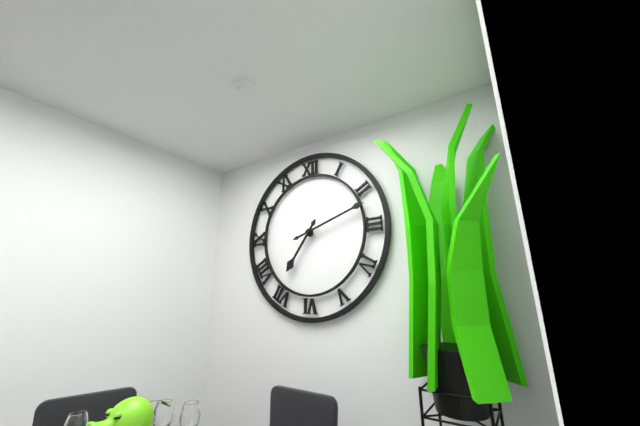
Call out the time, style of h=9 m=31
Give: h=7 m=12
